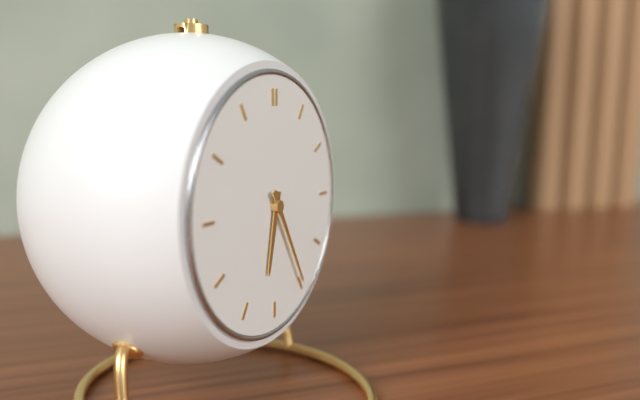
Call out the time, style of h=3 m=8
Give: h=6 m=25
